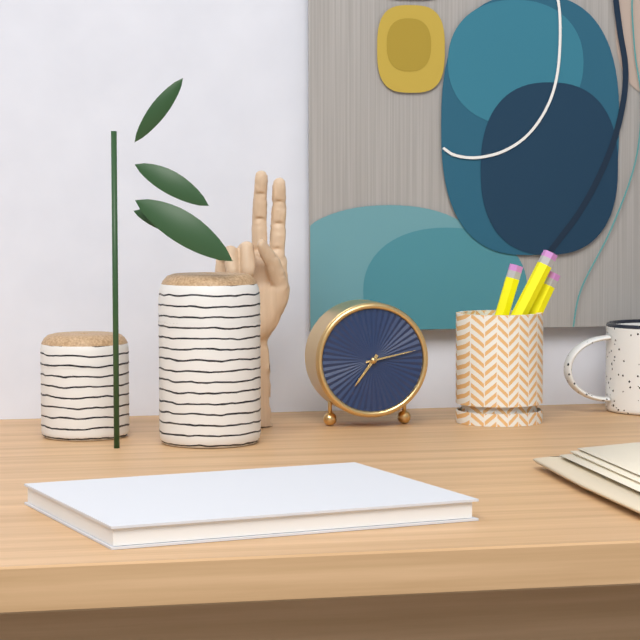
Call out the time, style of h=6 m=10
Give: h=7 m=13
